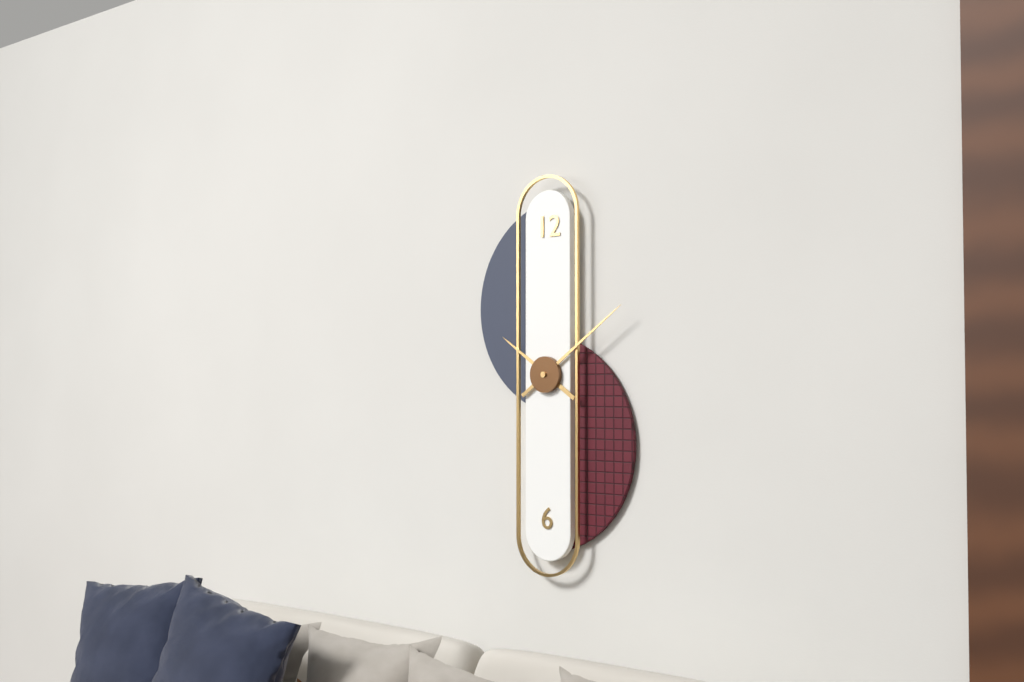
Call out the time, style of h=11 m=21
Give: h=10 m=9
